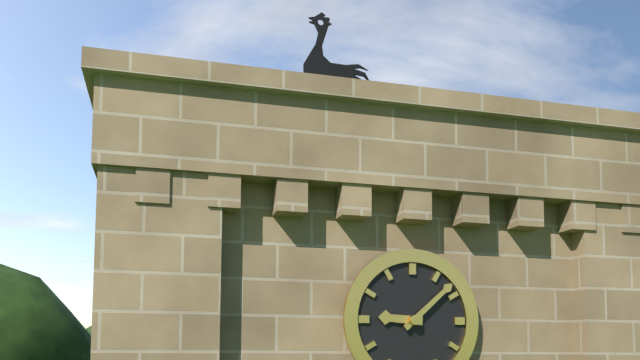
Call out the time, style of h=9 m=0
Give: h=9 m=8
